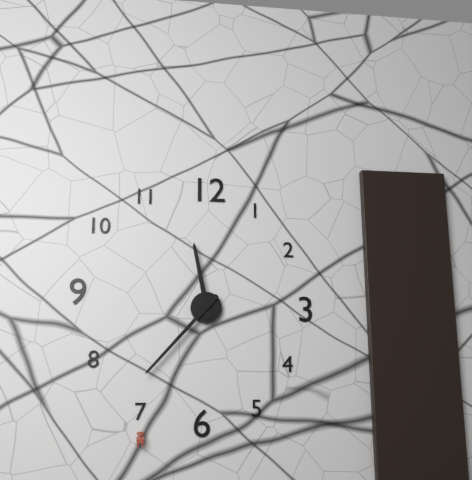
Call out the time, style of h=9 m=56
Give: h=11 m=37
